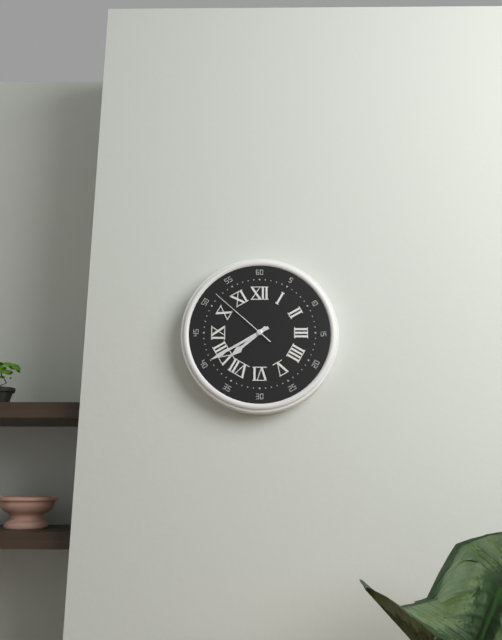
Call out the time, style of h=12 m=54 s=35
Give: h=7 m=40 s=52
